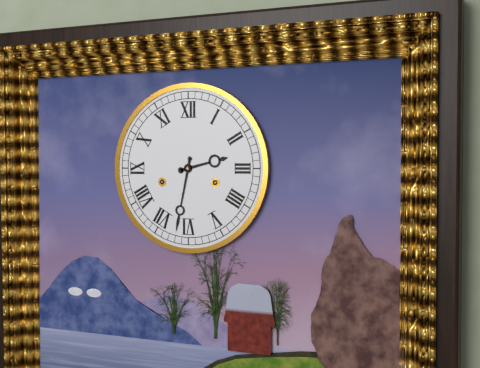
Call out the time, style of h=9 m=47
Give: h=2 m=32
